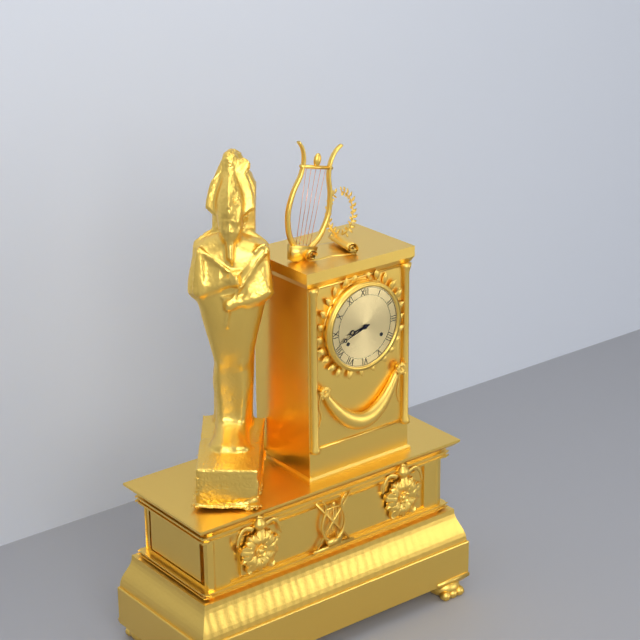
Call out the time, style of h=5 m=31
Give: h=8 m=42
